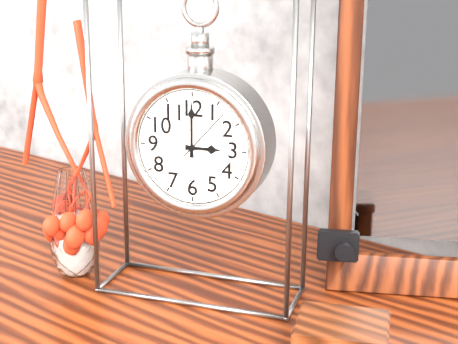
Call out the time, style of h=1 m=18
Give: h=3 m=0
